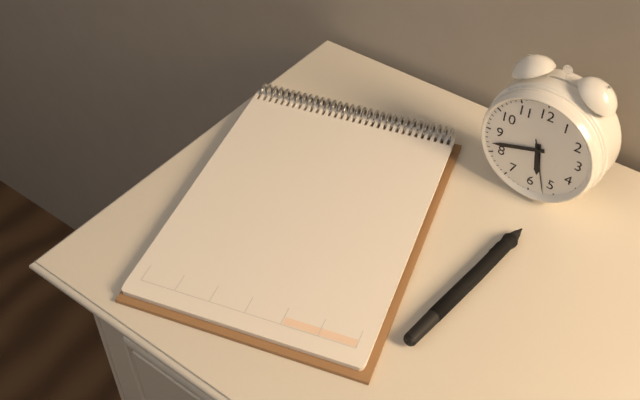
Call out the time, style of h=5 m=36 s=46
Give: h=5 m=42 s=27
